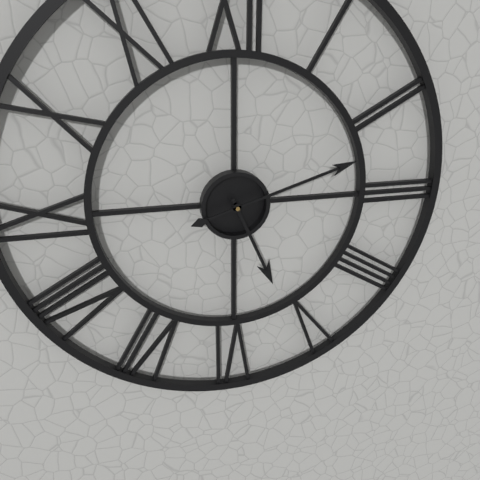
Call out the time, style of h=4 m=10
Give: h=5 m=12
